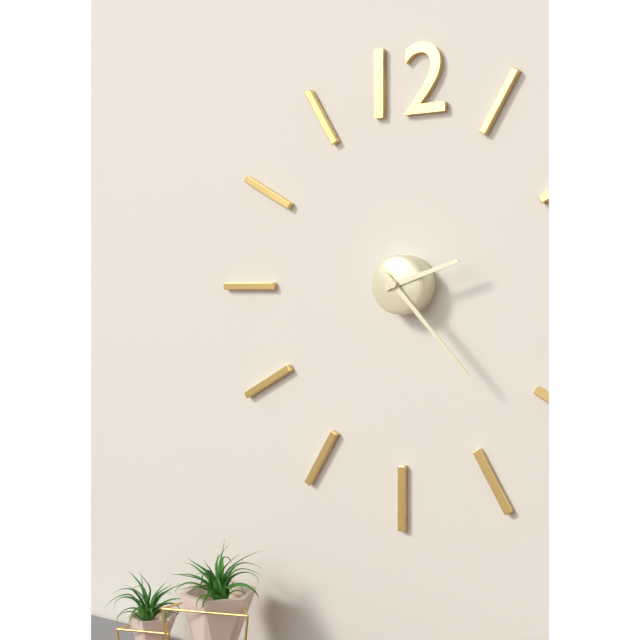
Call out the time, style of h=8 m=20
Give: h=2 m=23
